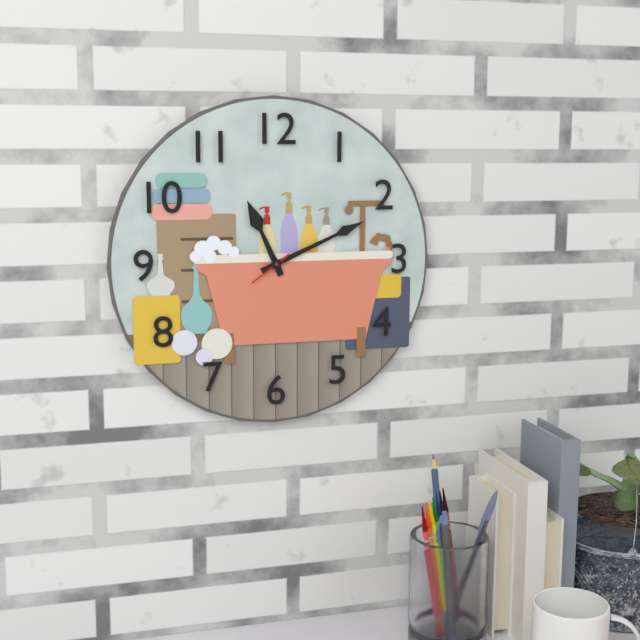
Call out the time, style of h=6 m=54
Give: h=11 m=11
